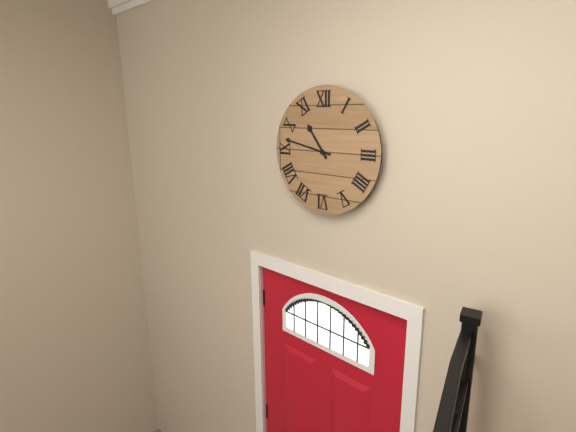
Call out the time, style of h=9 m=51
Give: h=10 m=47
